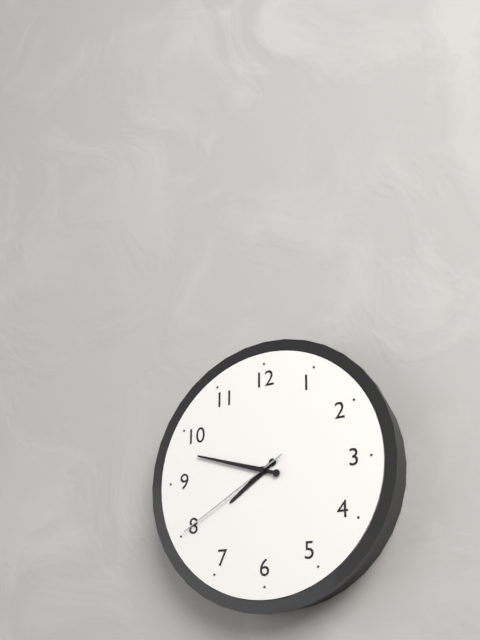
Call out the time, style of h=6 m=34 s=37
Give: h=7 m=48 s=40
